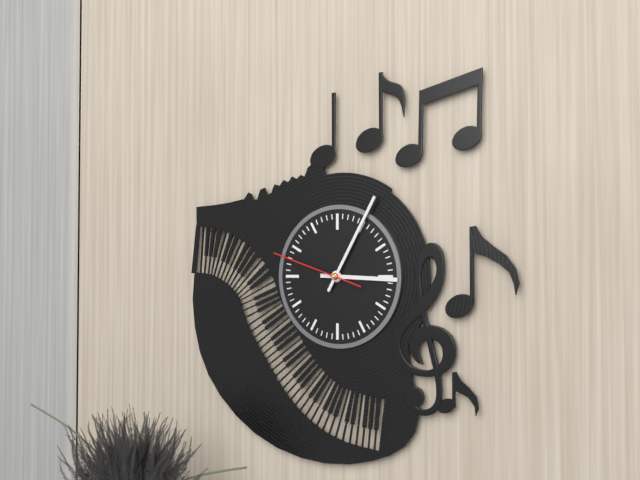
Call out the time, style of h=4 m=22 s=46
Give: h=3 m=5 s=48
